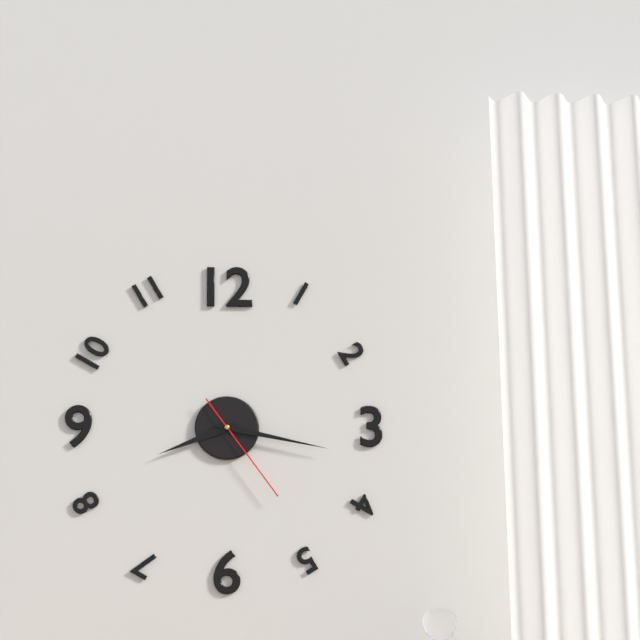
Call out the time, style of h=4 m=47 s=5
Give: h=8 m=17 s=24
